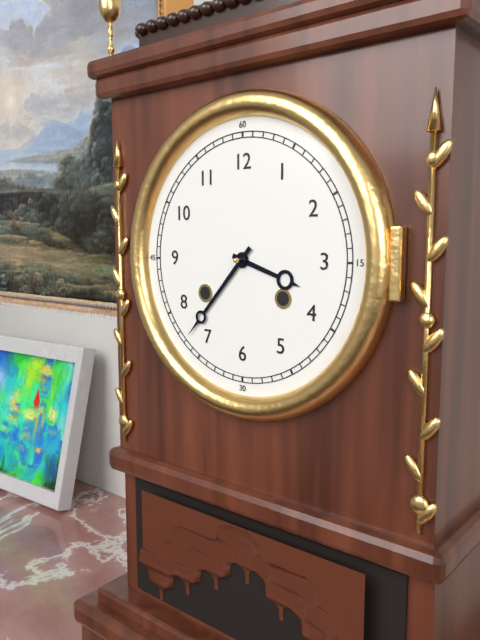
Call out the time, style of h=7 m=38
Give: h=3 m=37
